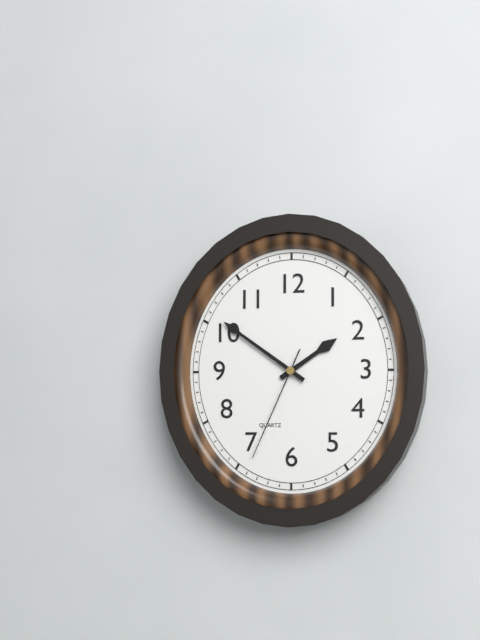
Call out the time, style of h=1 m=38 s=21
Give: h=1 m=51 s=34
